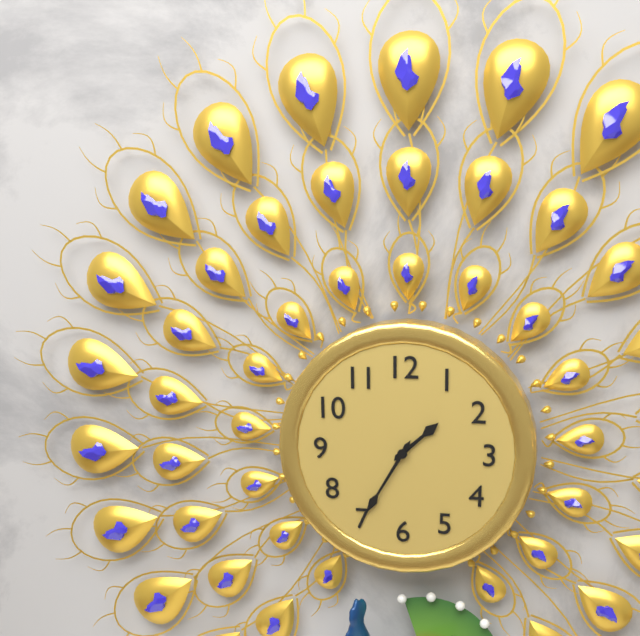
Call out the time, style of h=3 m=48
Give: h=1 m=35
